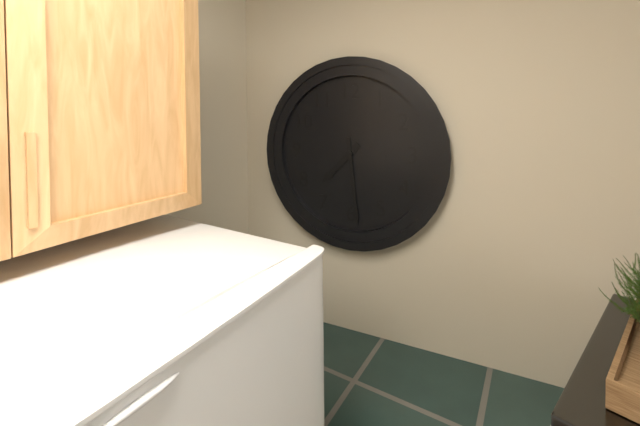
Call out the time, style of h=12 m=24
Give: h=7 m=29
